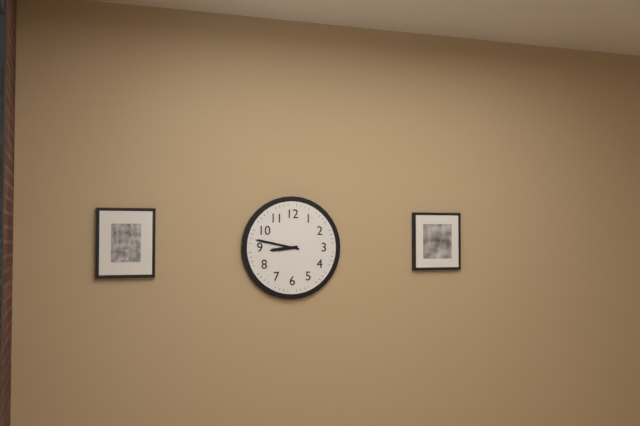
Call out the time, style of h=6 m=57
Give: h=8 m=47
